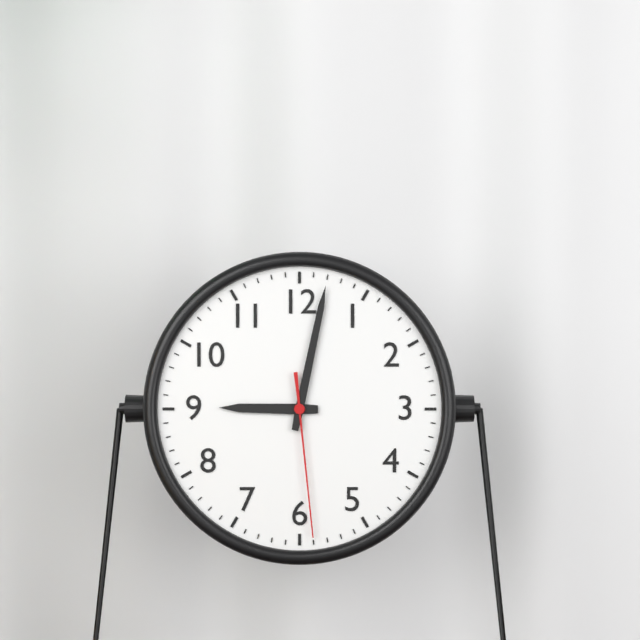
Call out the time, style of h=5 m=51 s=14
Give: h=9 m=2 s=29
